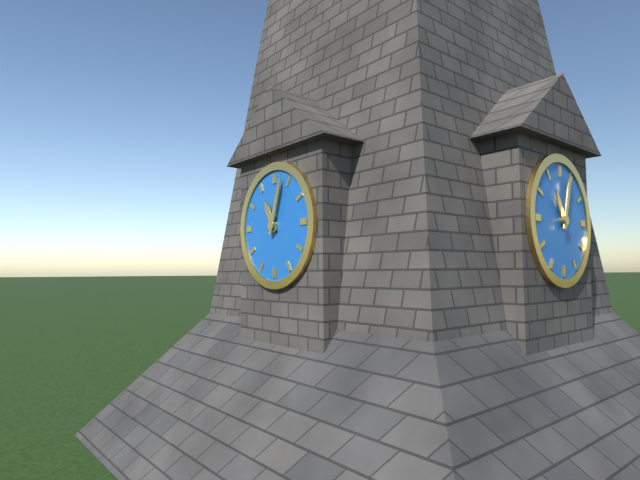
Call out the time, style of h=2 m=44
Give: h=11 m=3
